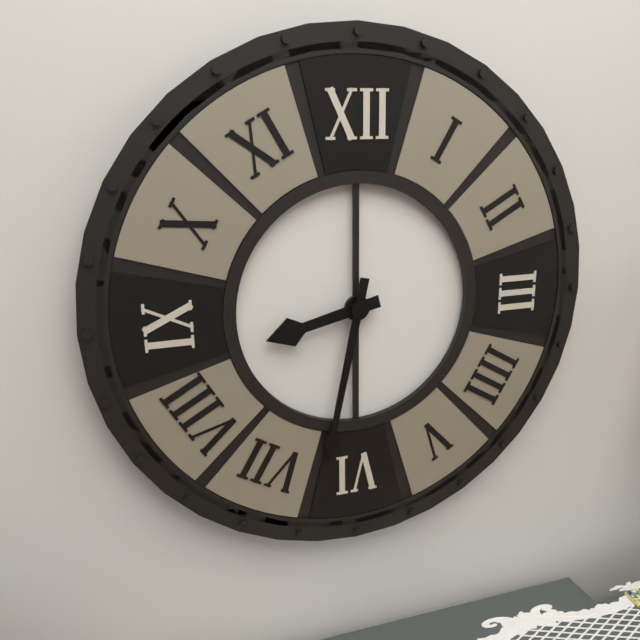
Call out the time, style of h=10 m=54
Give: h=8 m=32
